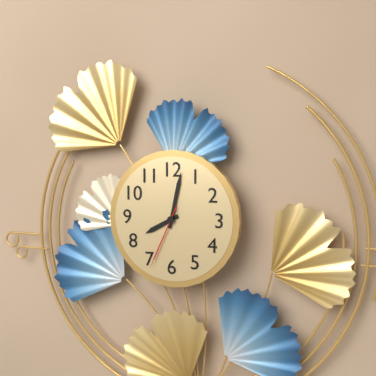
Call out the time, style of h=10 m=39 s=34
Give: h=8 m=2 s=34
